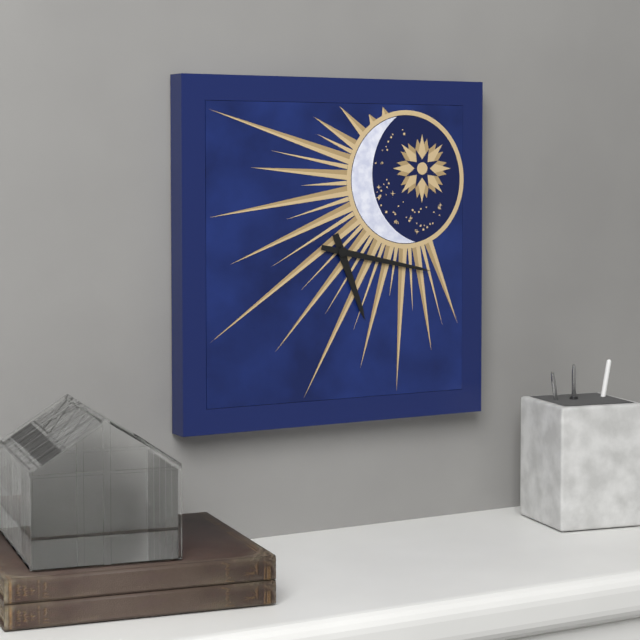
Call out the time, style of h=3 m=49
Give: h=5 m=17
